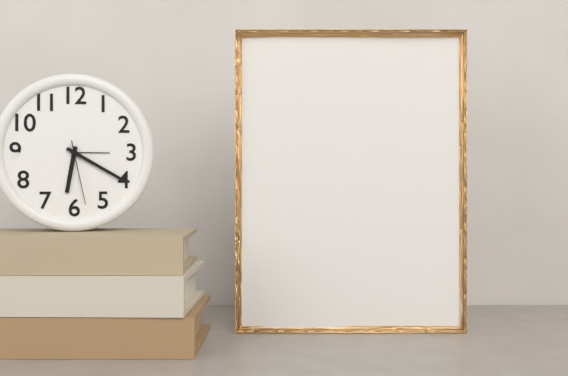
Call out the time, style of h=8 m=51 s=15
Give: h=6 m=20 s=28
